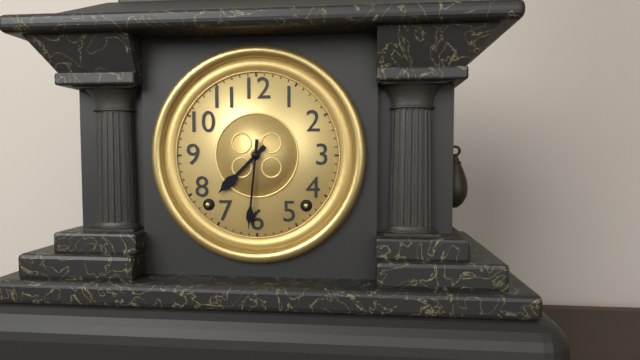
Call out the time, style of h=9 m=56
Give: h=7 m=31
